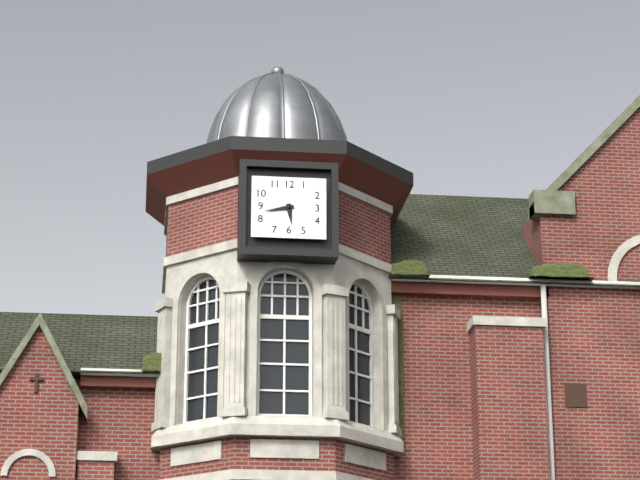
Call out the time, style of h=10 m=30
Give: h=5 m=43
